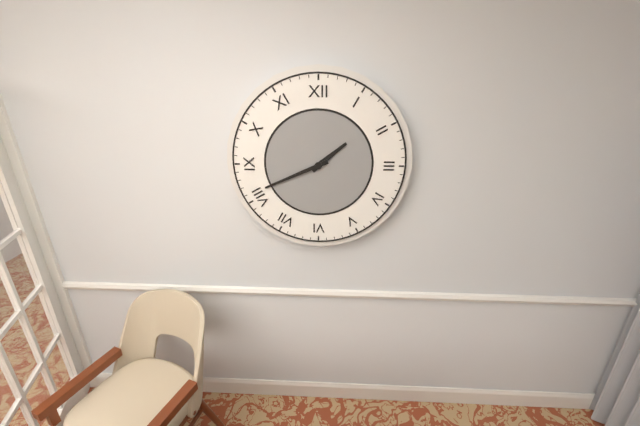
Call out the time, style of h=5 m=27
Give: h=1 m=41
